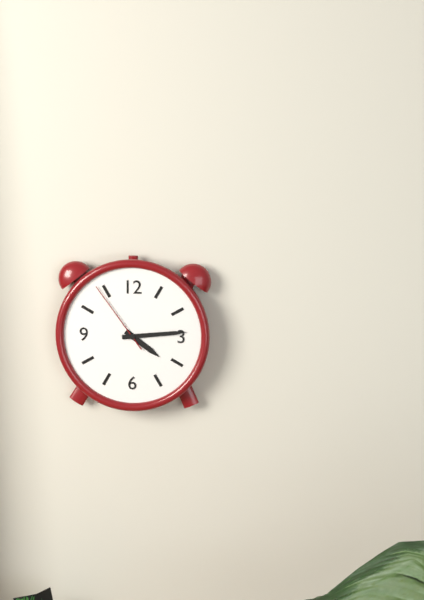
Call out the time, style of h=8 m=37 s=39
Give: h=4 m=14 s=54
